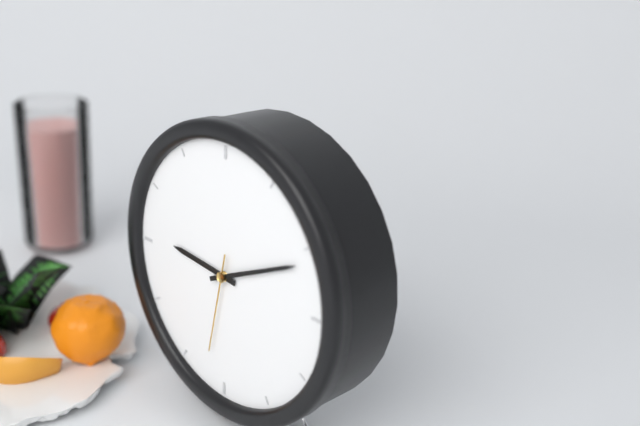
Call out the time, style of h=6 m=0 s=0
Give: h=9 m=11 s=32
